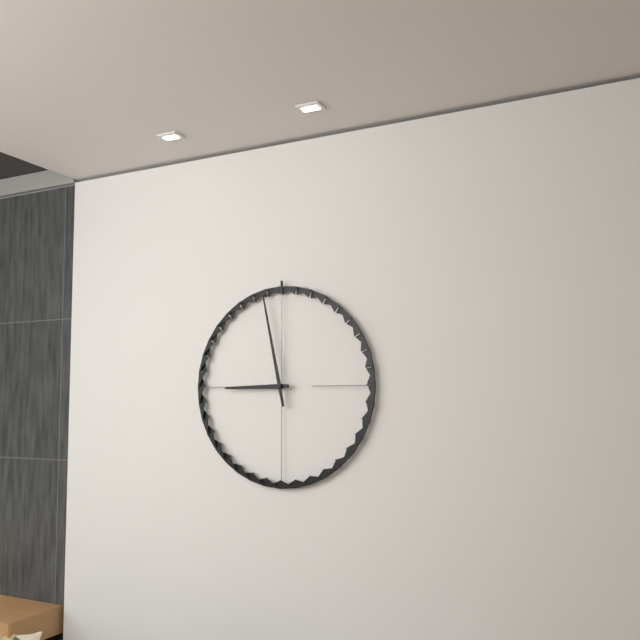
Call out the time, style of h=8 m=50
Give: h=8 m=58
